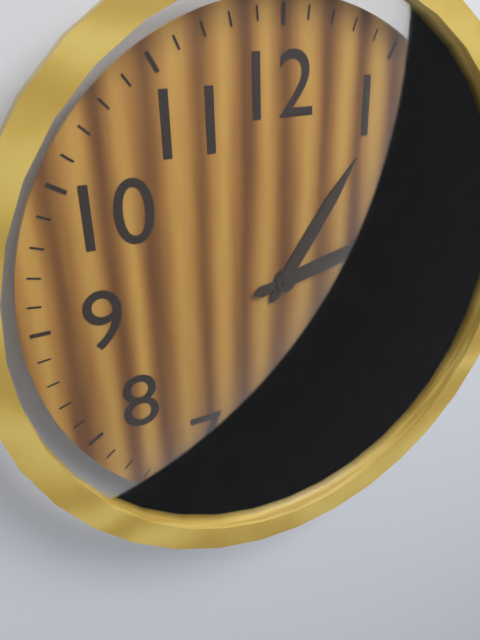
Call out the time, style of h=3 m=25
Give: h=1 m=13
